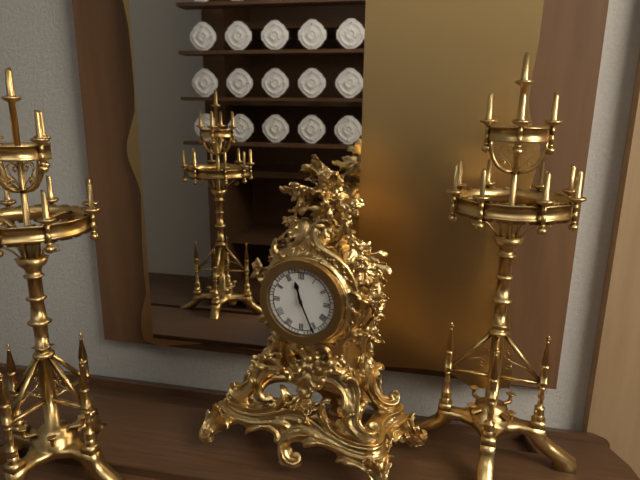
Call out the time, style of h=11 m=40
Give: h=11 m=26
